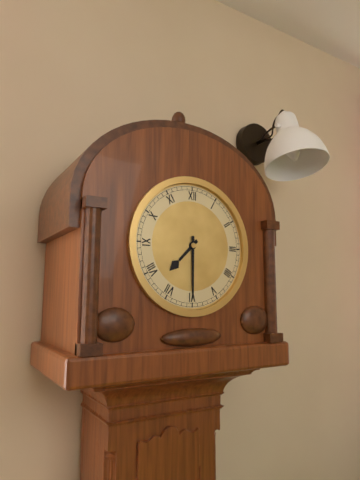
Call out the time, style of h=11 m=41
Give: h=7 m=30
